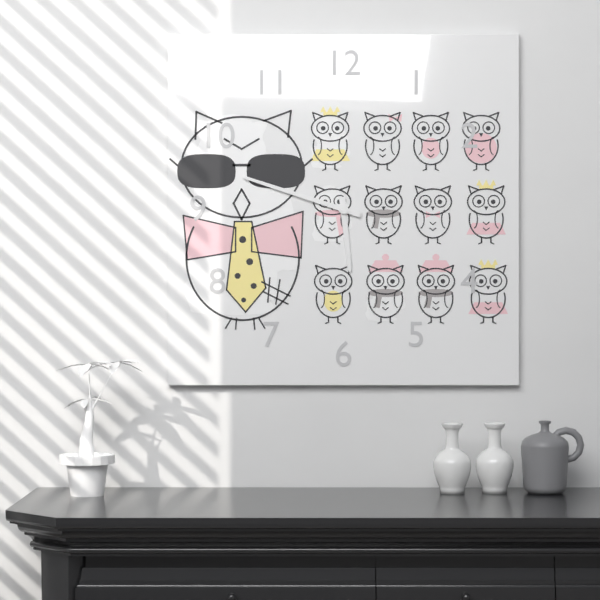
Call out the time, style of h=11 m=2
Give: h=5 m=48
